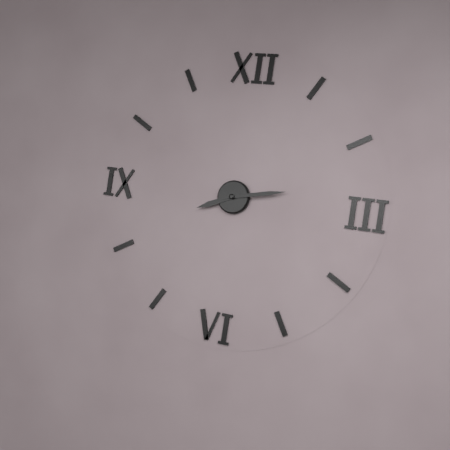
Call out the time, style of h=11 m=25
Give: h=8 m=13
